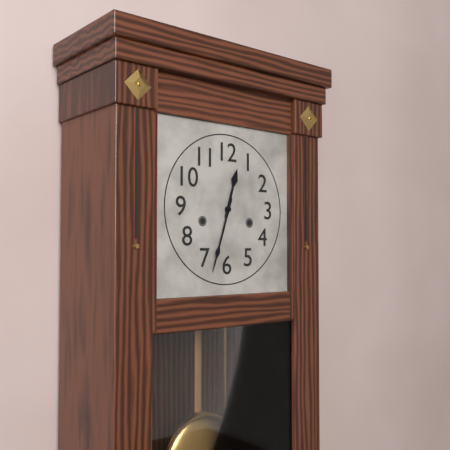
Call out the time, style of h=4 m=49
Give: h=12 m=33
